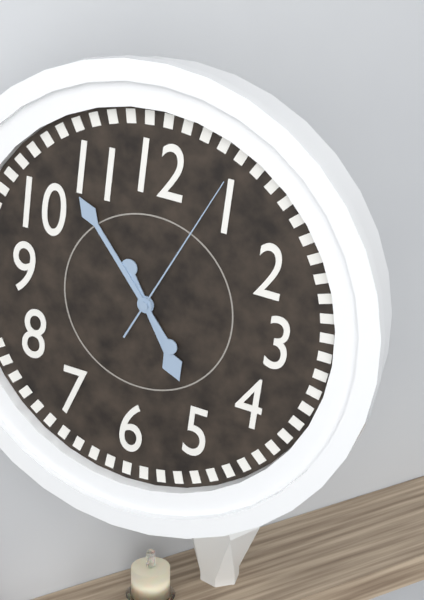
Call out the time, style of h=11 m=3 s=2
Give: h=4 m=53 s=4
